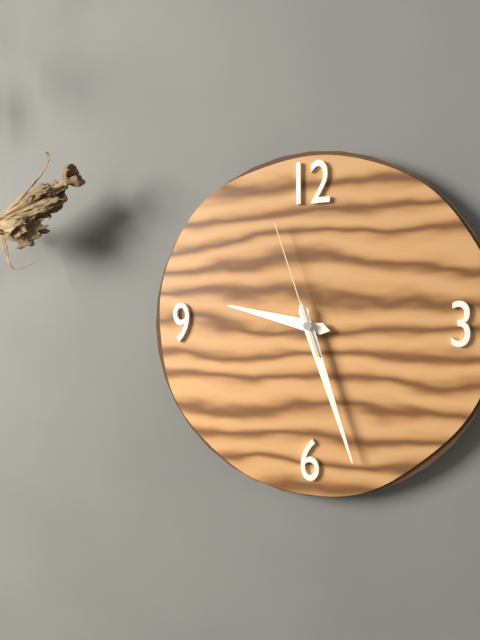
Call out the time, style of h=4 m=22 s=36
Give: h=9 m=27 s=57
